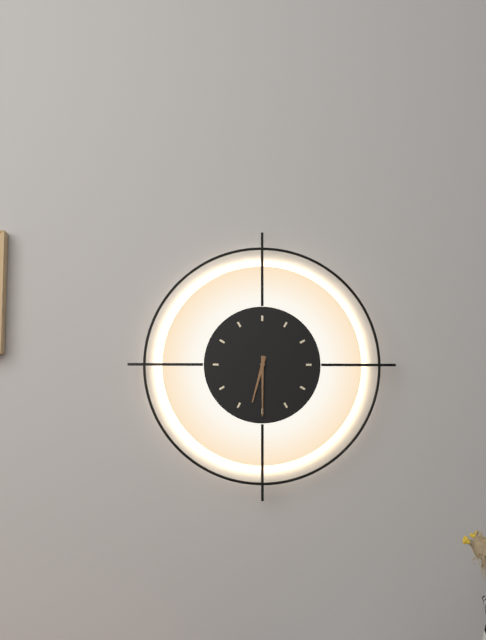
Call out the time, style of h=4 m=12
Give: h=6 m=30
